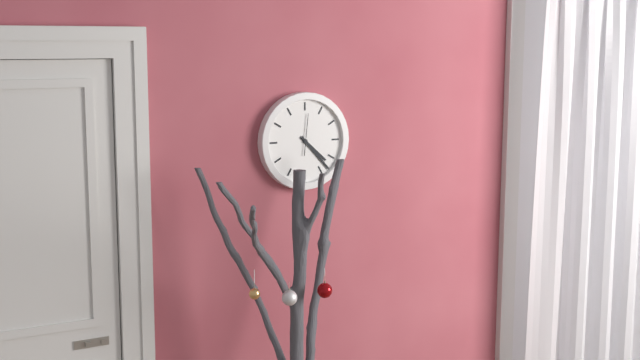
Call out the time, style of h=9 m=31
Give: h=4 m=23
